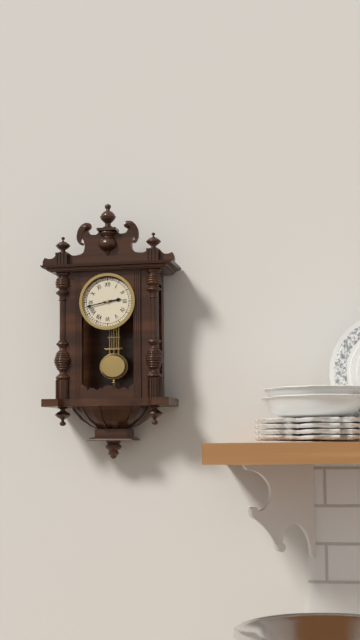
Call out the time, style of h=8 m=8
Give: h=2 m=43
